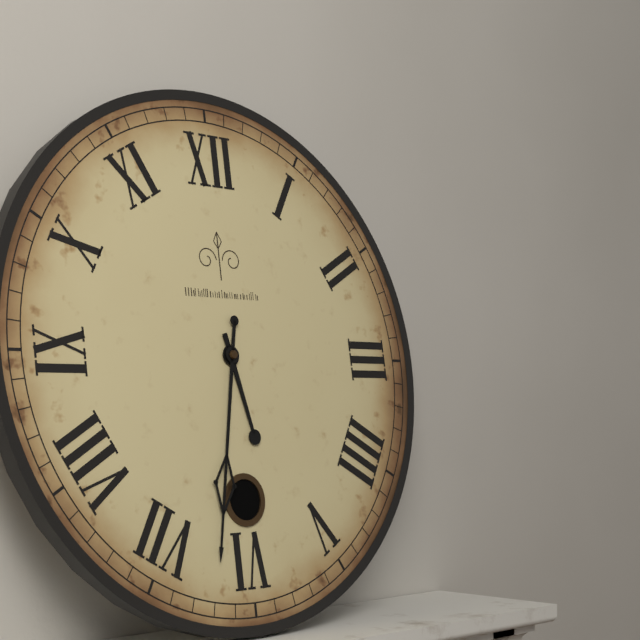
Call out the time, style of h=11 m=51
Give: h=5 m=32
